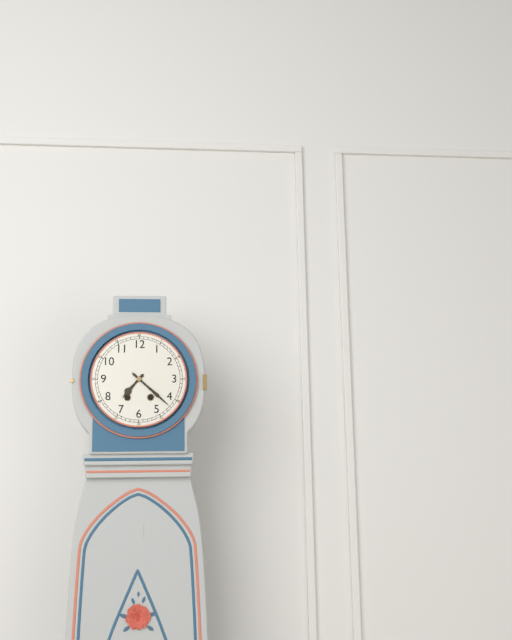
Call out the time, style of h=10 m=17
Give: h=7 m=22
